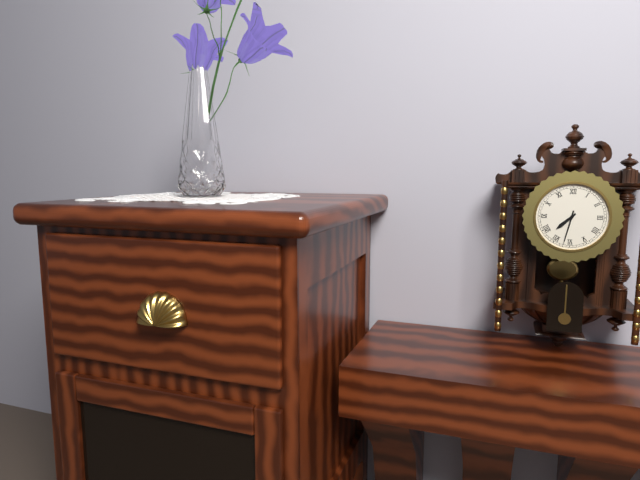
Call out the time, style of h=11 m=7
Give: h=7 m=32
